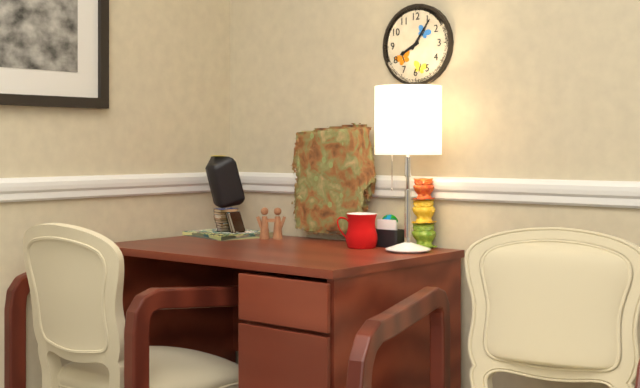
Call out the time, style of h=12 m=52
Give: h=8 m=6
